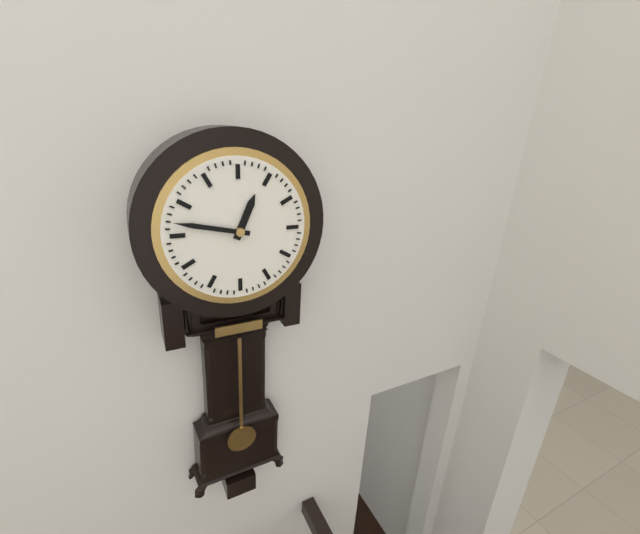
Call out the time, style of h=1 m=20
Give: h=12 m=47
